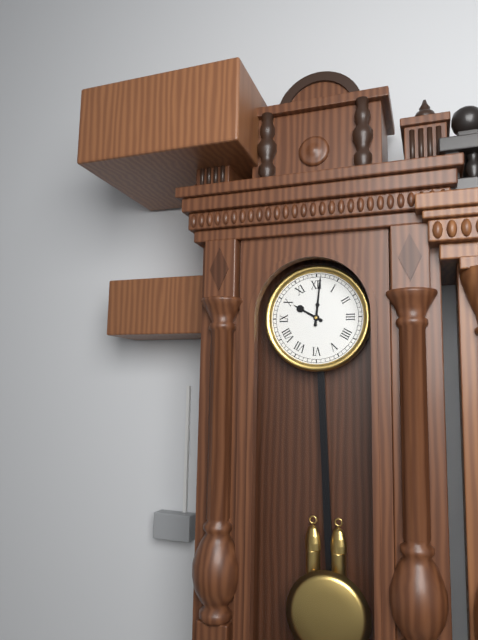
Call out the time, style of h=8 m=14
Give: h=10 m=1
